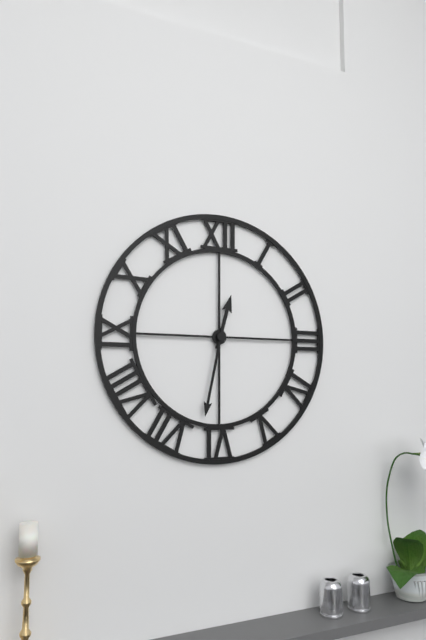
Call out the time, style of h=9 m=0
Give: h=12 m=32
